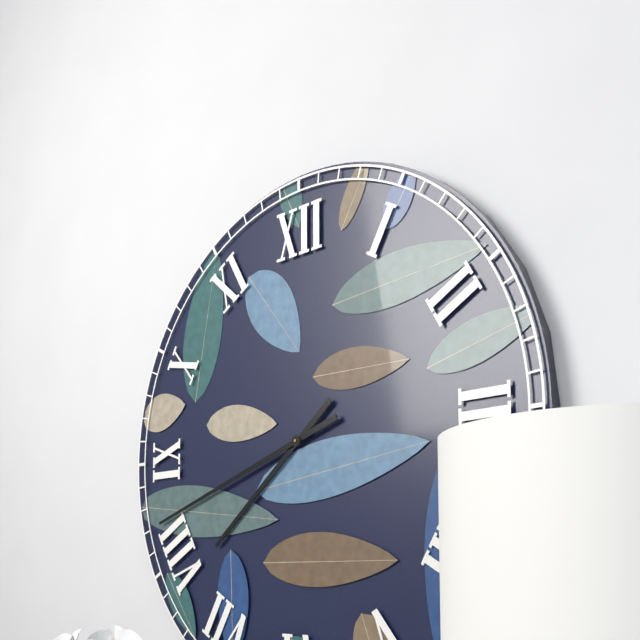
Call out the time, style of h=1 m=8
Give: h=7 m=42
